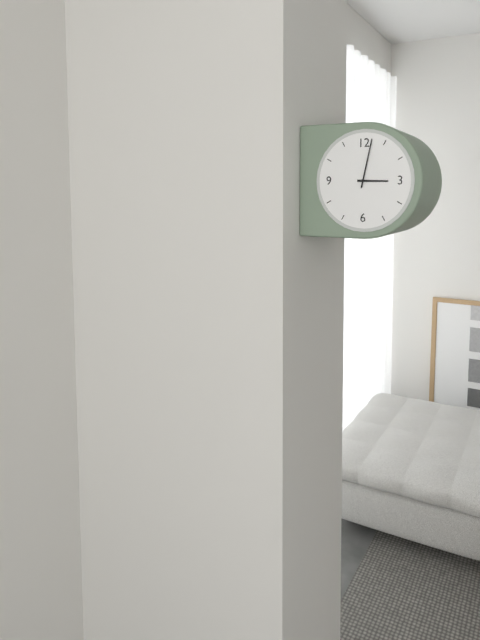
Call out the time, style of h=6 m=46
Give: h=3 m=2
